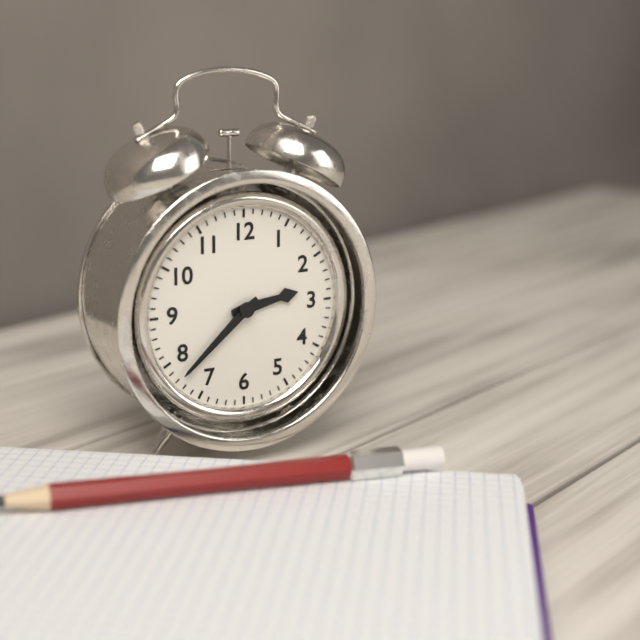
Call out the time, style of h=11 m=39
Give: h=2 m=38
